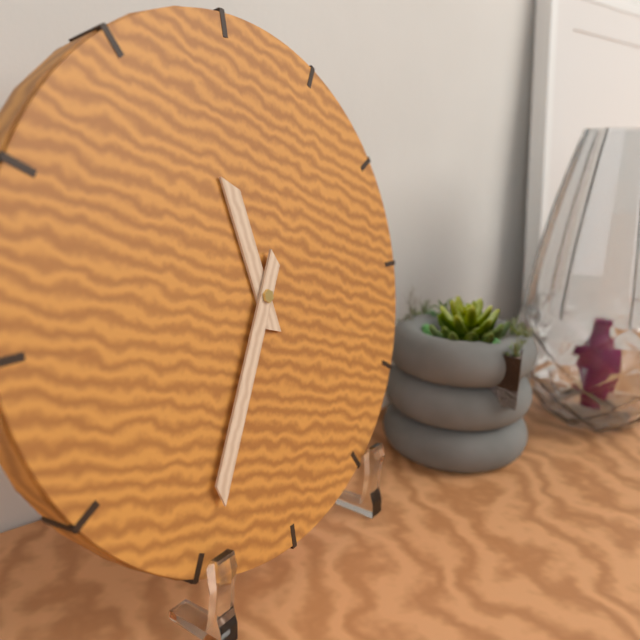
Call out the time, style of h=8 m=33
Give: h=11 m=35
